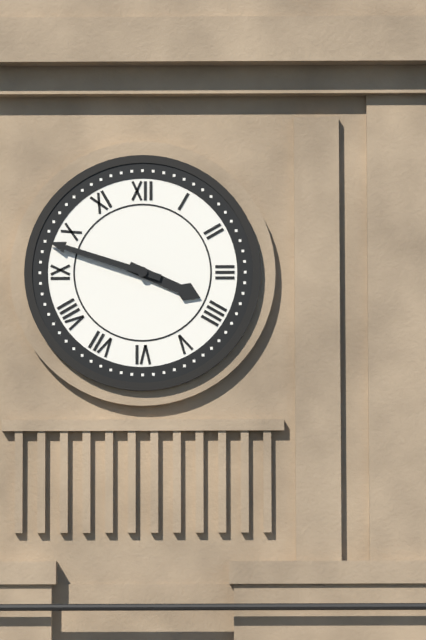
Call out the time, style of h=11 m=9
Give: h=3 m=48
